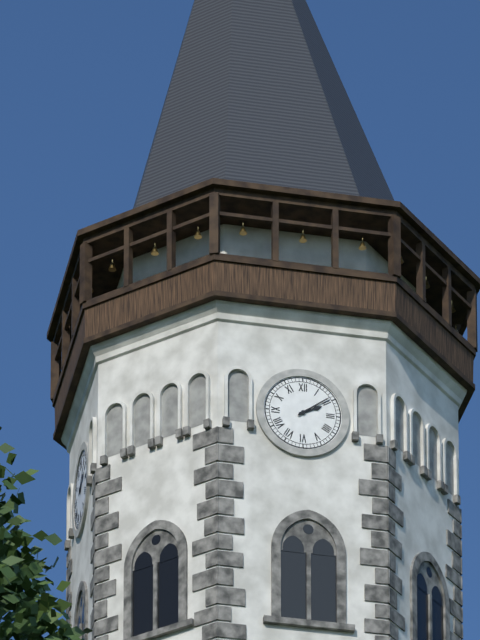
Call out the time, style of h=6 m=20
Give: h=2 m=9
